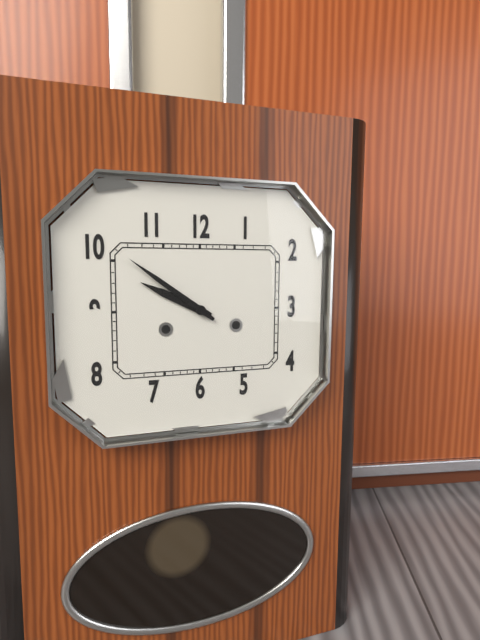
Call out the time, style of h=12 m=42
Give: h=9 m=51
